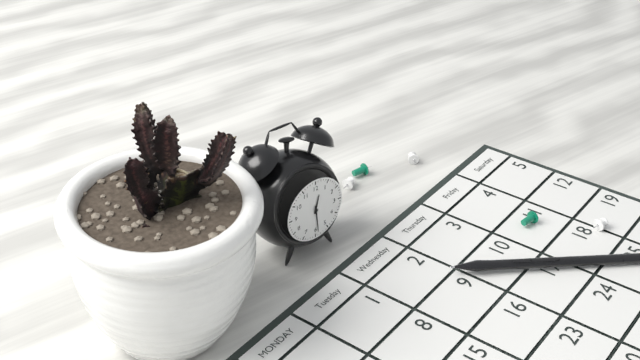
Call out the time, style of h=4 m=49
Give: h=12 m=29
